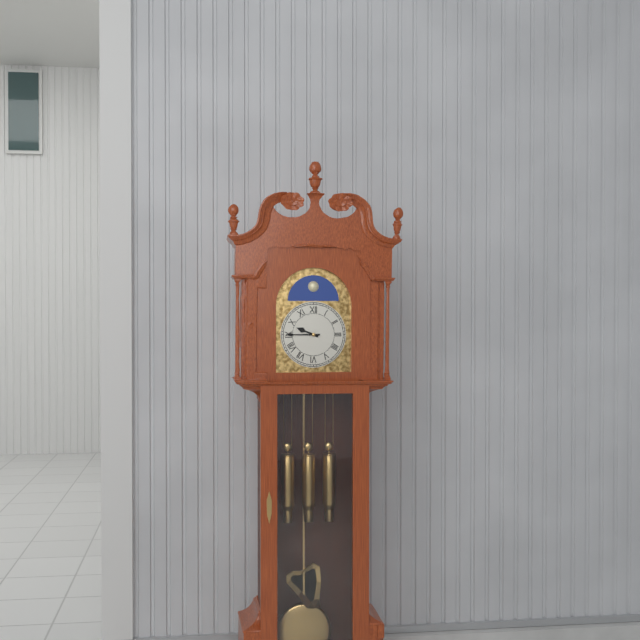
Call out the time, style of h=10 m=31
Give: h=9 m=45
